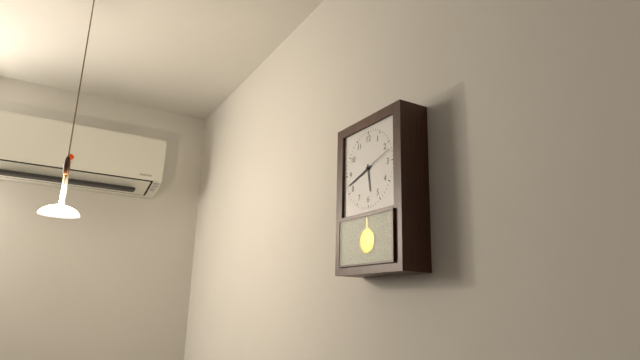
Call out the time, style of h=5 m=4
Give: h=5 m=42
